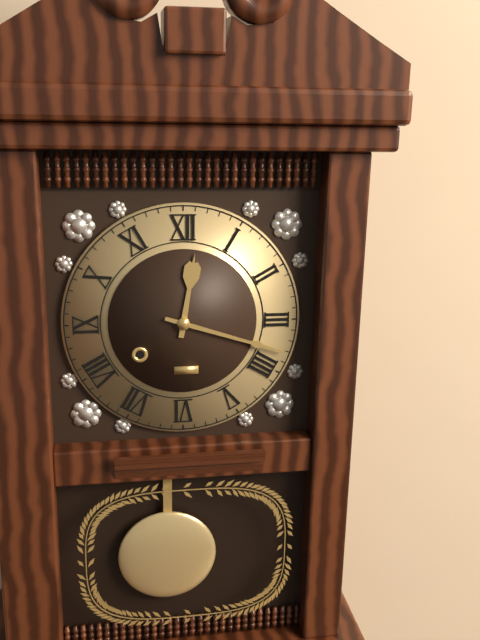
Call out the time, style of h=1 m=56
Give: h=12 m=18
